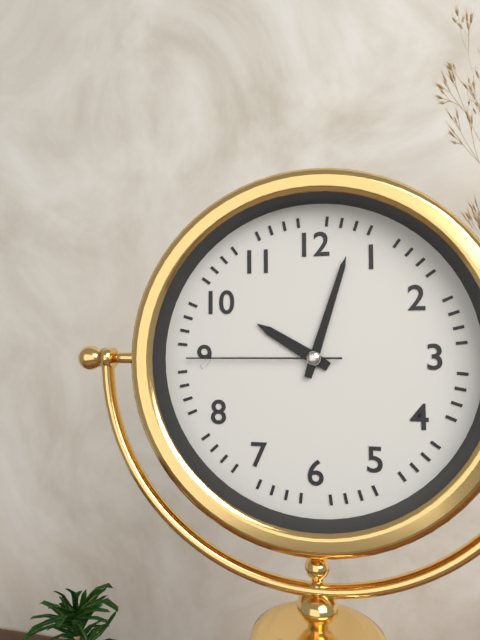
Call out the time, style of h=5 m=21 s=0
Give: h=10 m=3 s=45
